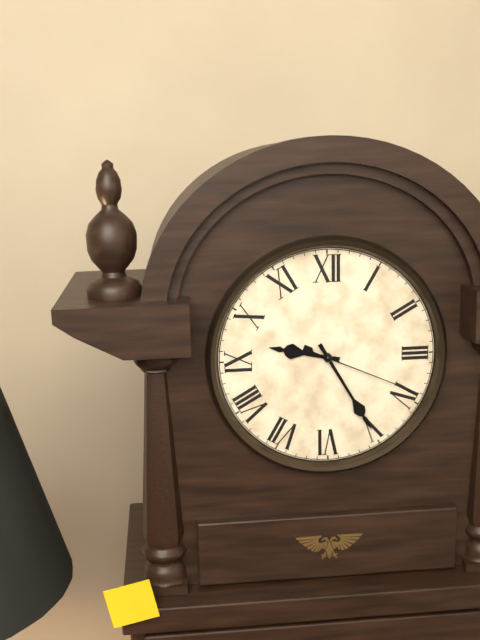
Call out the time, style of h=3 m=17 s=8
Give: h=9 m=25 s=19
